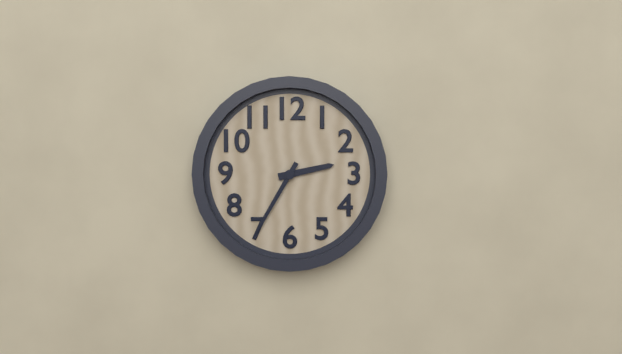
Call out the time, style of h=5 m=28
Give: h=2 m=35
